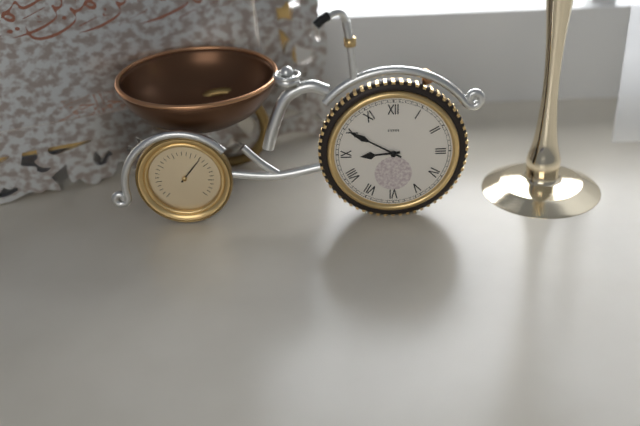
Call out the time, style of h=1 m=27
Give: h=8 m=50
